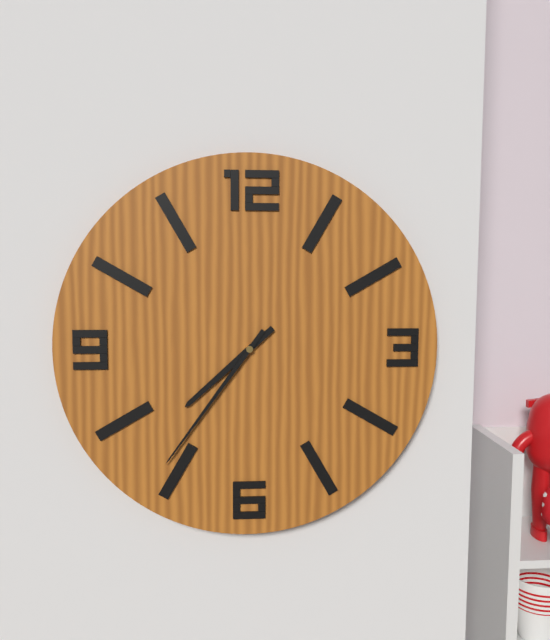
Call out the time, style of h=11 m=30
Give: h=7 m=36
